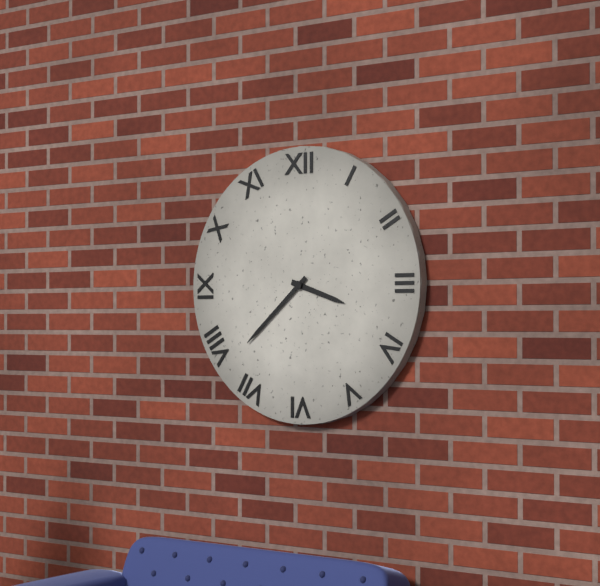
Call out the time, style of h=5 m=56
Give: h=3 m=38
